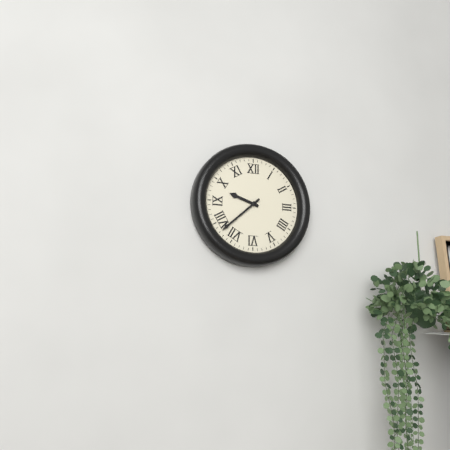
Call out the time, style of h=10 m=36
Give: h=9 m=38
